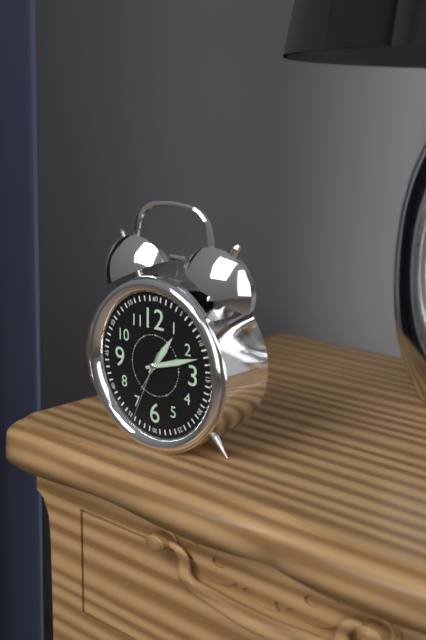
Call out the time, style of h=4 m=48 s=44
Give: h=1 m=12 s=34
